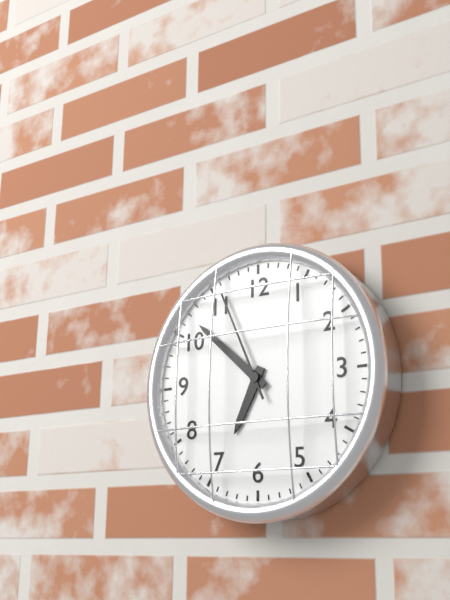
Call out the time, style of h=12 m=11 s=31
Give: h=6 m=52 s=56
